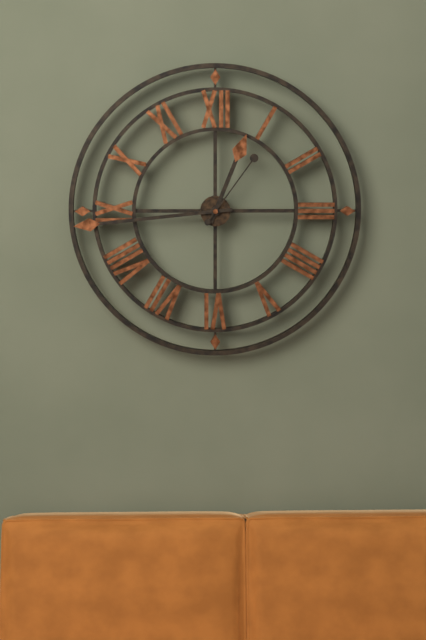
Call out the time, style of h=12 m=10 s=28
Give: h=12 m=44 s=6
